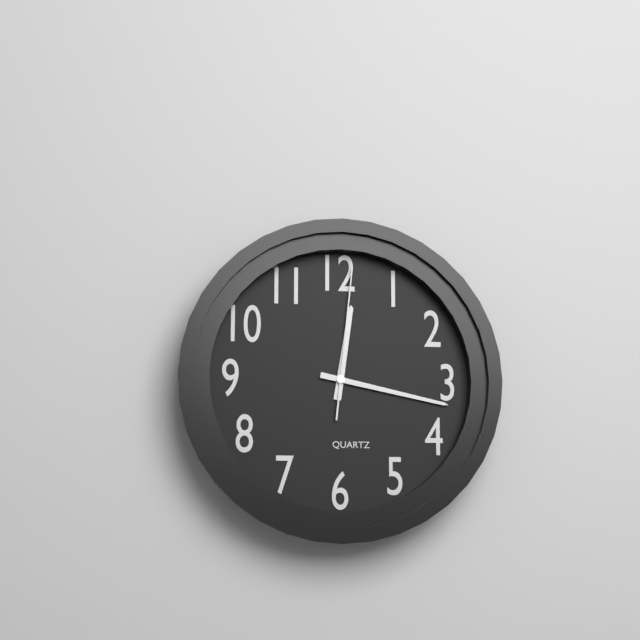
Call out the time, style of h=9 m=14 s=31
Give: h=12 m=17 s=1
